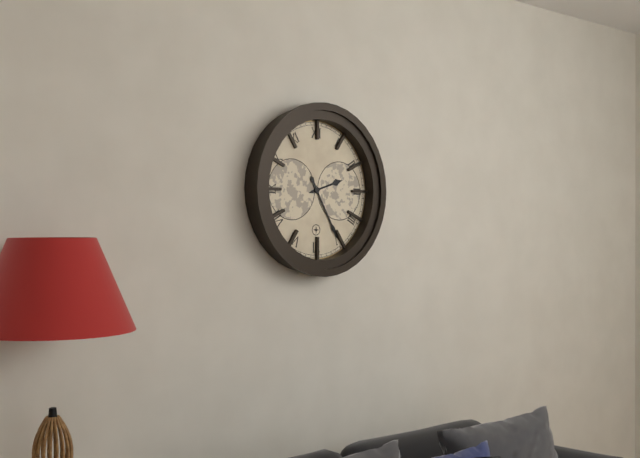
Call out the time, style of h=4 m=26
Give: h=2 m=25
